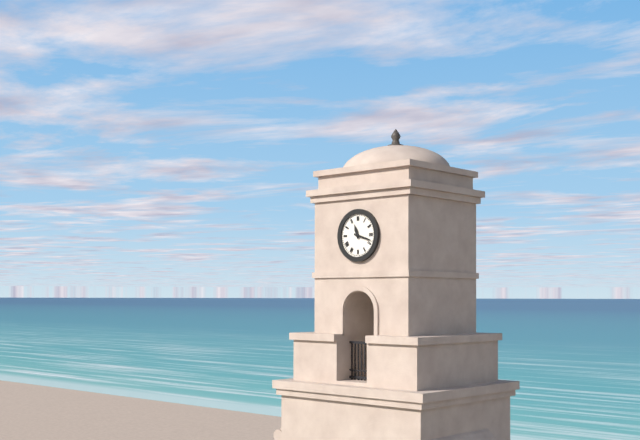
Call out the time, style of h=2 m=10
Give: h=11 m=18
